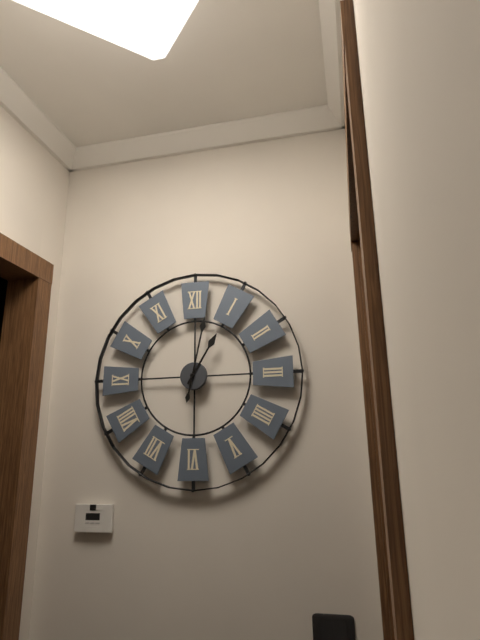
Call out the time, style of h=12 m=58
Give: h=1 m=2
